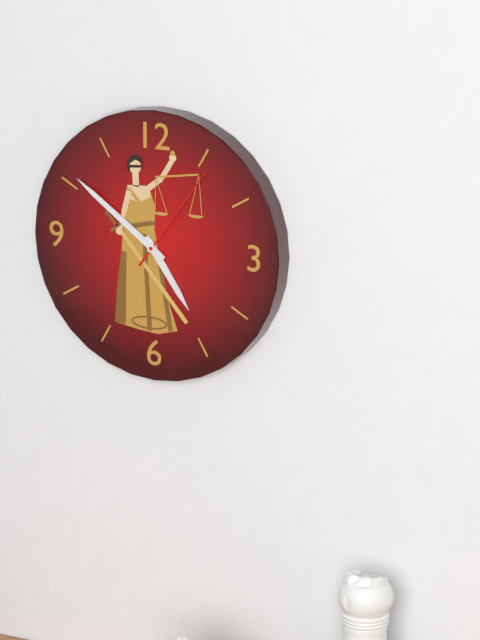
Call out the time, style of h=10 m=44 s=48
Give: h=4 m=51 s=6
